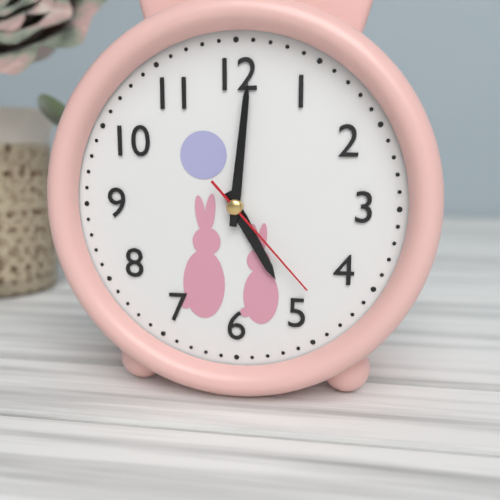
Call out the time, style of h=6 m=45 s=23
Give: h=5 m=1 s=23
